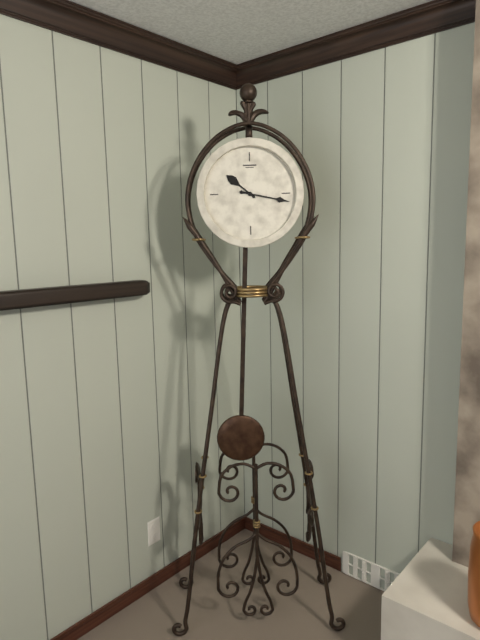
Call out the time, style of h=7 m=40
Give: h=10 m=17
